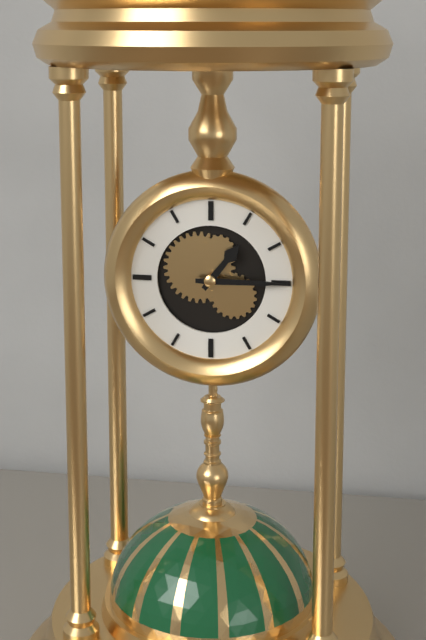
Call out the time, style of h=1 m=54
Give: h=1 m=15
